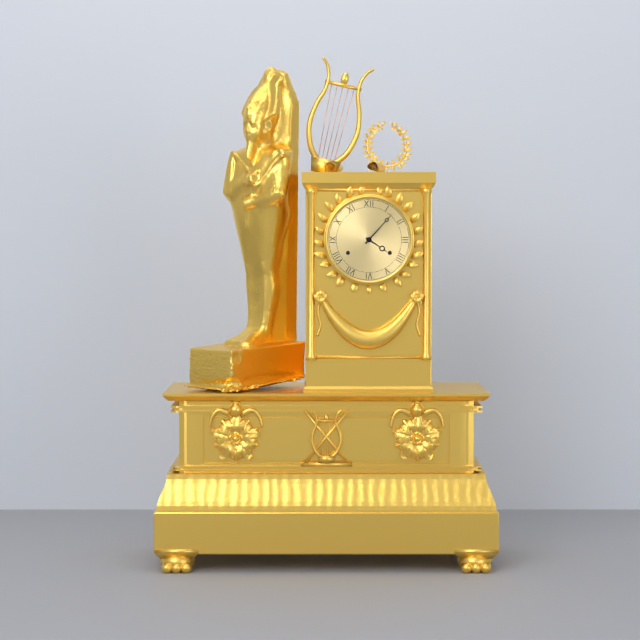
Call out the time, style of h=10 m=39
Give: h=4 m=7
